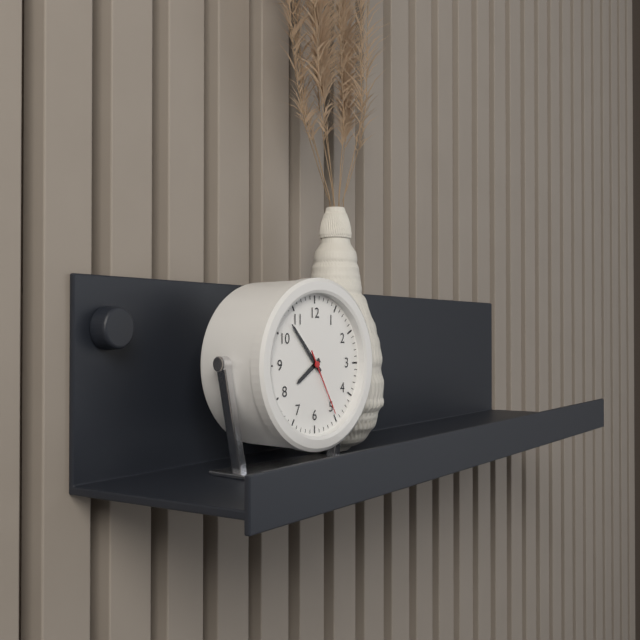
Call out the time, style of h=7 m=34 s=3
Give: h=7 m=53 s=25
